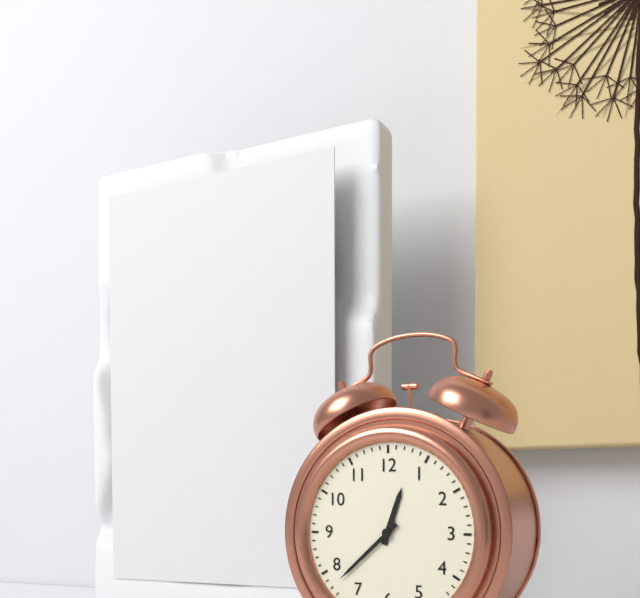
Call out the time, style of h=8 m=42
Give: h=12 m=38
